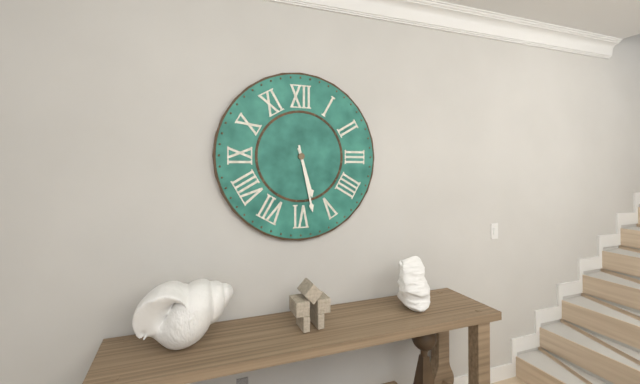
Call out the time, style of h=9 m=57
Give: h=5 m=28
